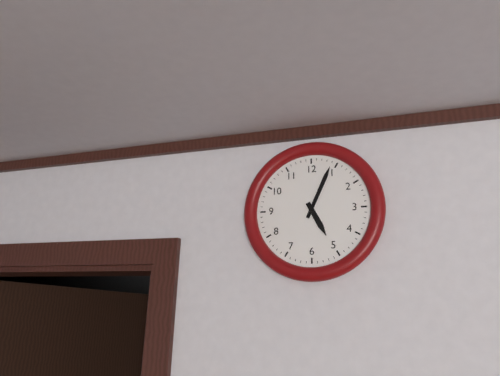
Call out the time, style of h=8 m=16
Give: h=5 m=4
